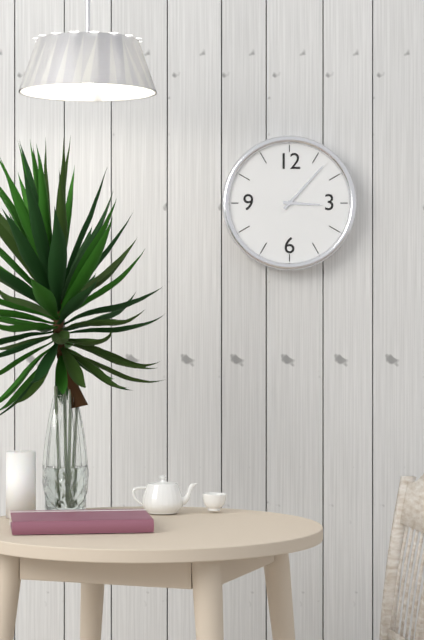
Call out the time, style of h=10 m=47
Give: h=3 m=7
